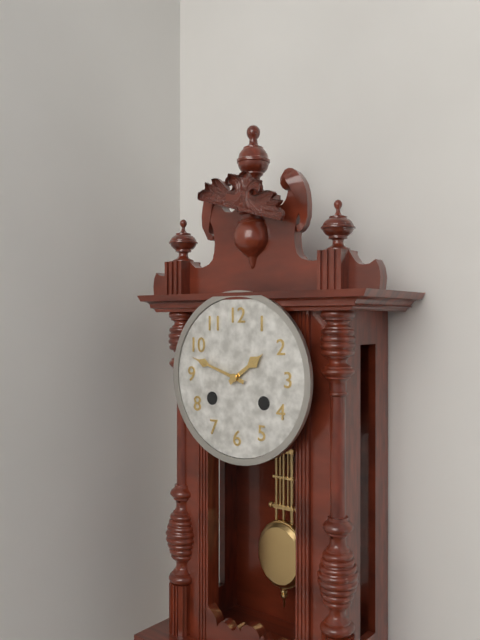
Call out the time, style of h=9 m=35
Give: h=1 m=48
